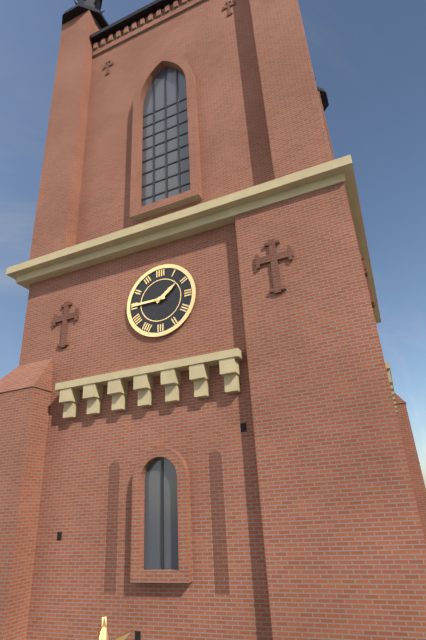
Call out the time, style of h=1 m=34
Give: h=1 m=45
